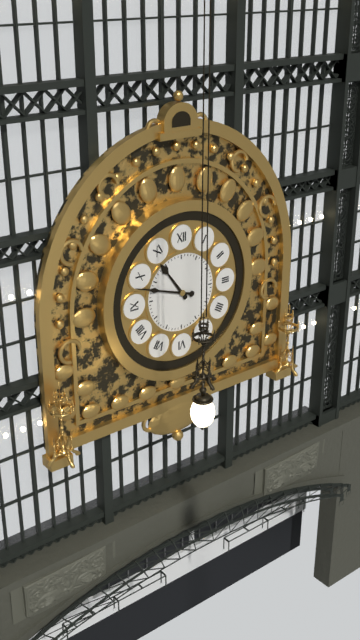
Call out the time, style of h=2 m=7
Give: h=10 m=48
